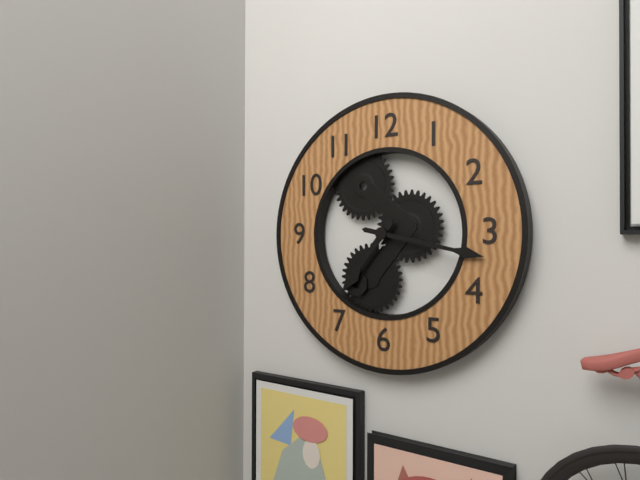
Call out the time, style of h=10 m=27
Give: h=7 m=17
